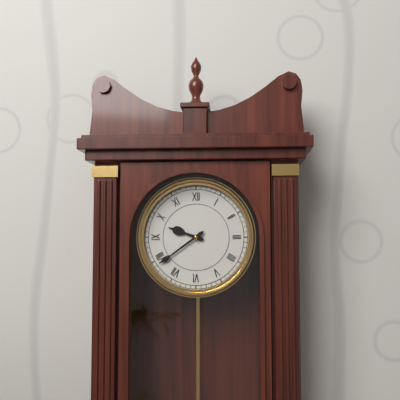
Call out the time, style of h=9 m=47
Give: h=9 m=39
